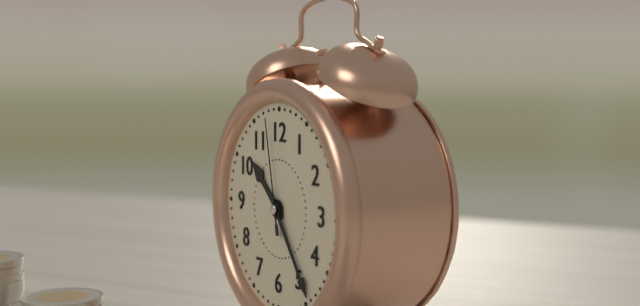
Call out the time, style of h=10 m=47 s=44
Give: h=10 m=24 s=58
